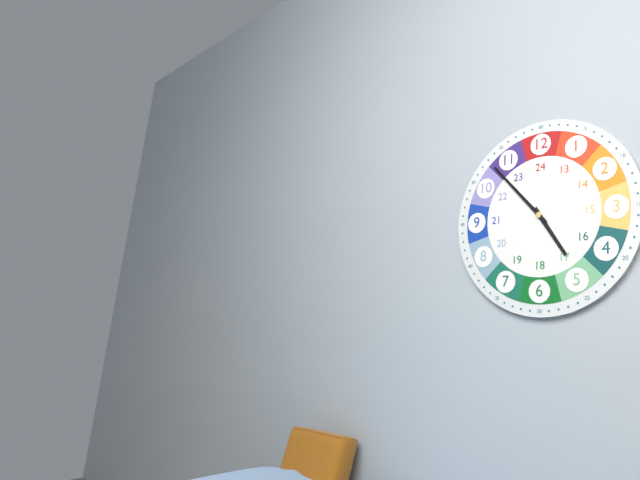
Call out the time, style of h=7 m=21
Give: h=4 m=53
